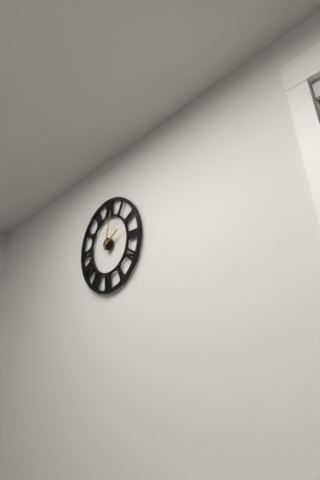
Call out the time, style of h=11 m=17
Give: h=2 m=2
